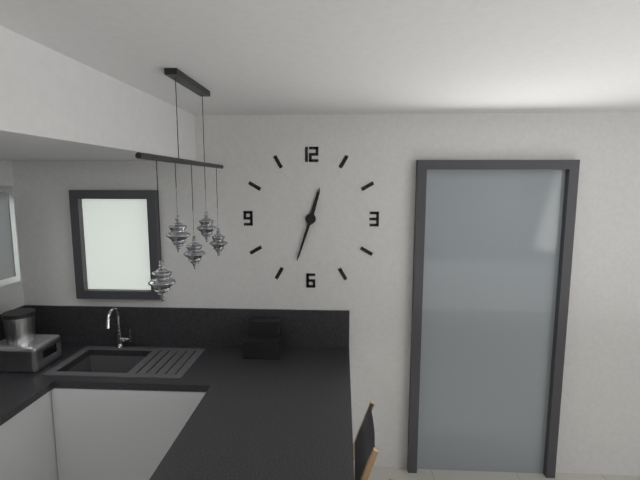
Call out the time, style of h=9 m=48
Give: h=12 m=33
